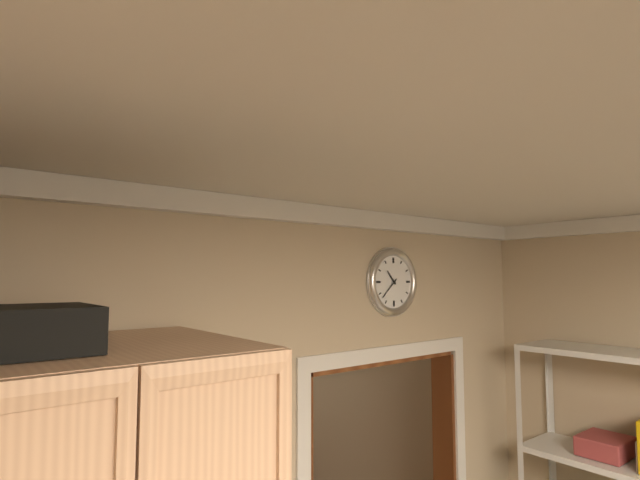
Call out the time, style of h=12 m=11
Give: h=10 m=38
